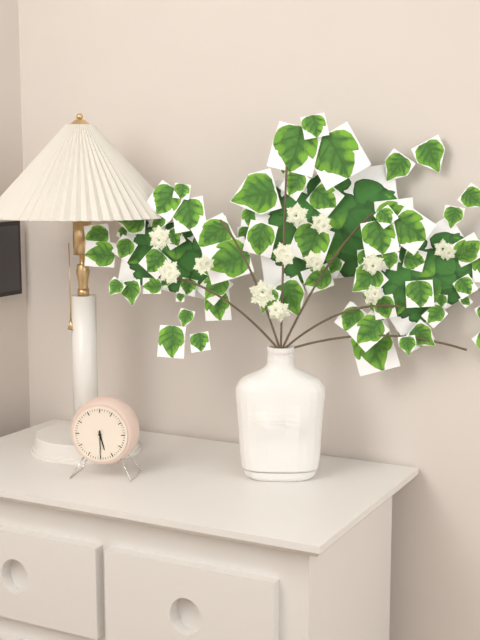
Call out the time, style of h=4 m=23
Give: h=5 m=30
